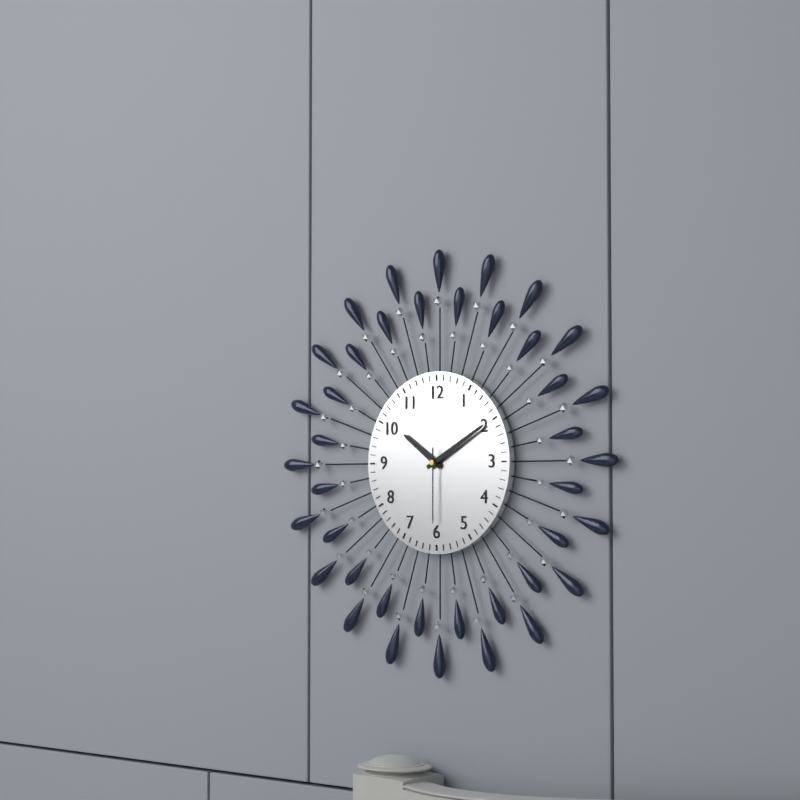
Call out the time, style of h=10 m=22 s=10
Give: h=10 m=10 s=30
